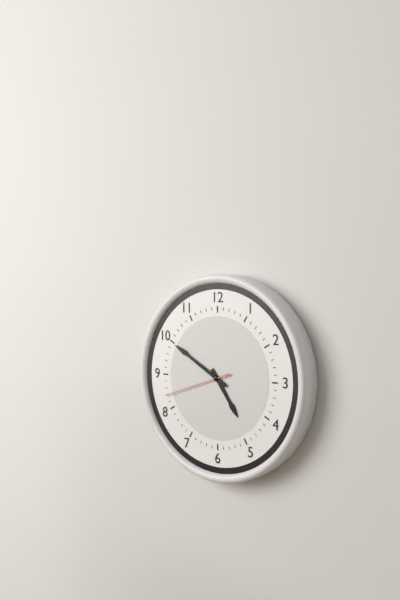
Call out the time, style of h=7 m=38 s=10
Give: h=4 m=50 s=42
